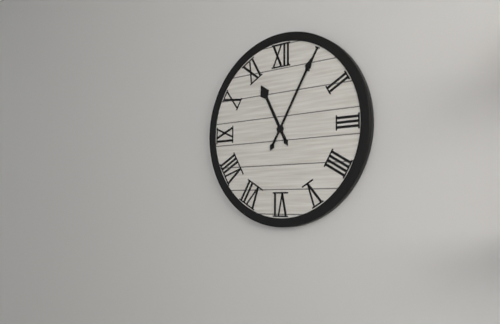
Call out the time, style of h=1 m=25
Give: h=11 m=5
